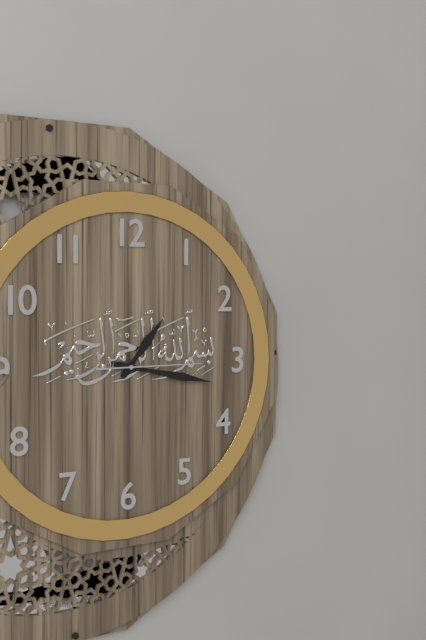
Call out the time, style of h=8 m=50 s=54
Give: h=1 m=17 s=15
